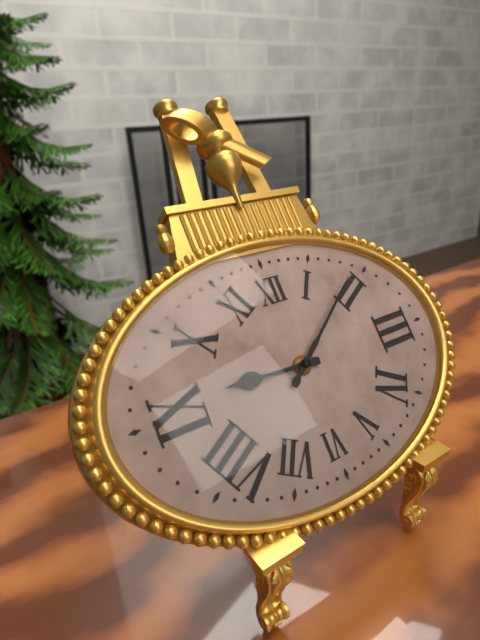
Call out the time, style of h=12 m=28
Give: h=9 m=9
